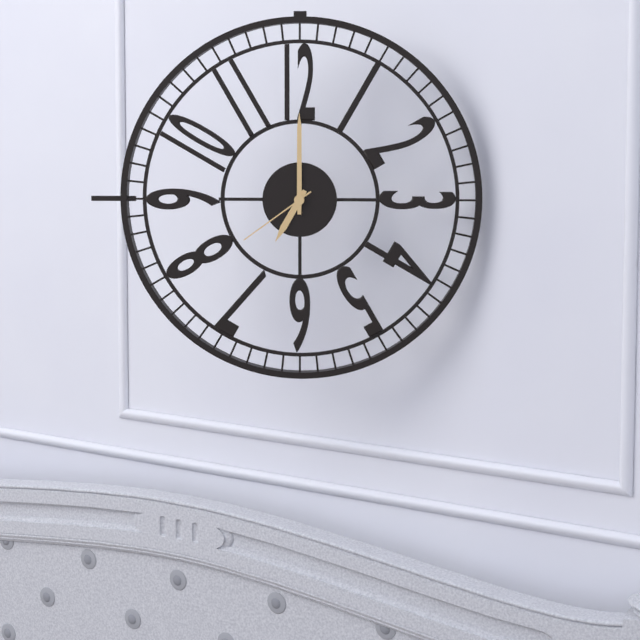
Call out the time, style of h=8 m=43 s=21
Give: h=7 m=0 s=39
